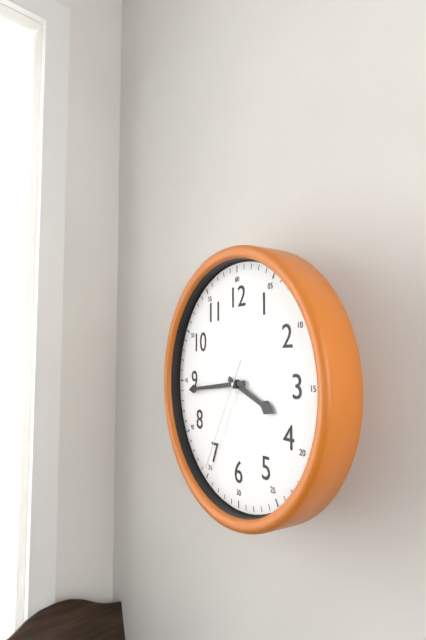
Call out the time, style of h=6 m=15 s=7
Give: h=3 m=44 s=35
